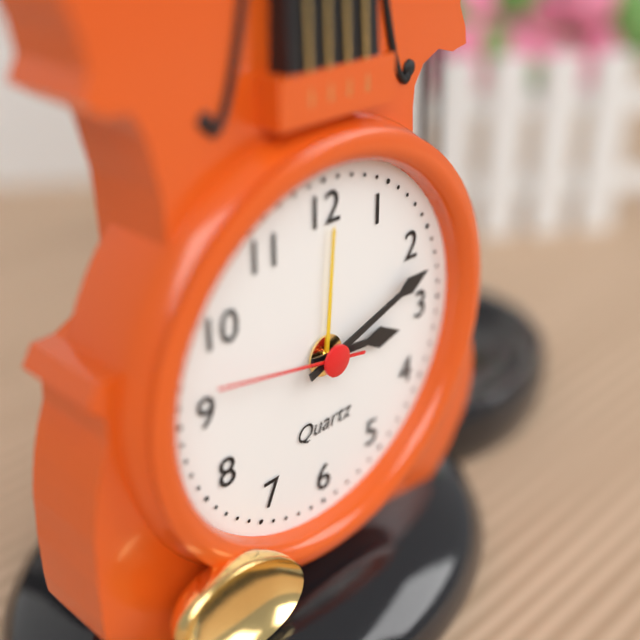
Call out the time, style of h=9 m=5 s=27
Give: h=3 m=12 s=47
